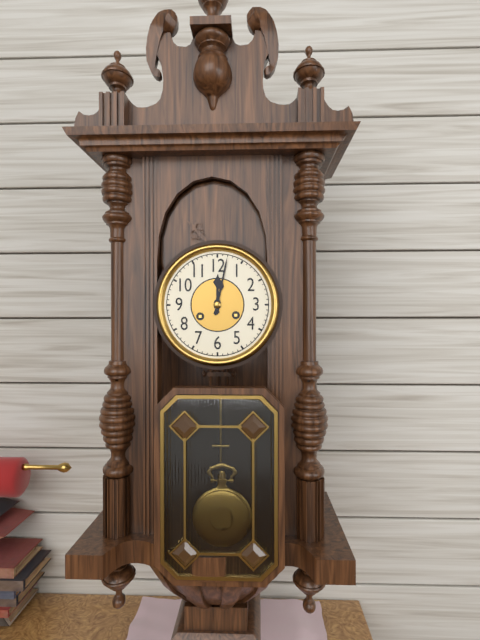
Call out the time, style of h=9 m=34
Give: h=12 m=2
